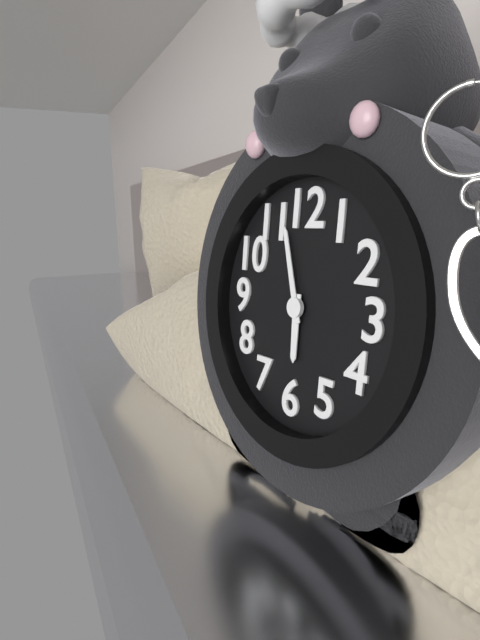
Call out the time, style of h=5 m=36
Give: h=5 m=57
